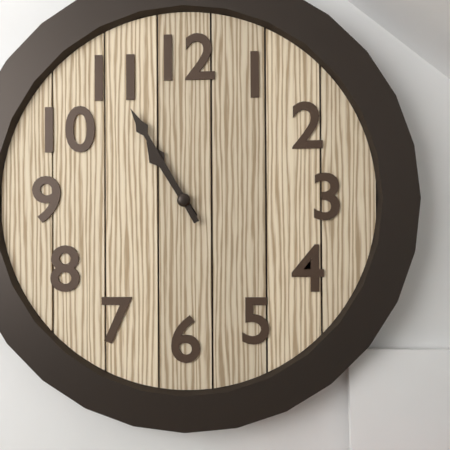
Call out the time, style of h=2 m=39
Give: h=10 m=55
